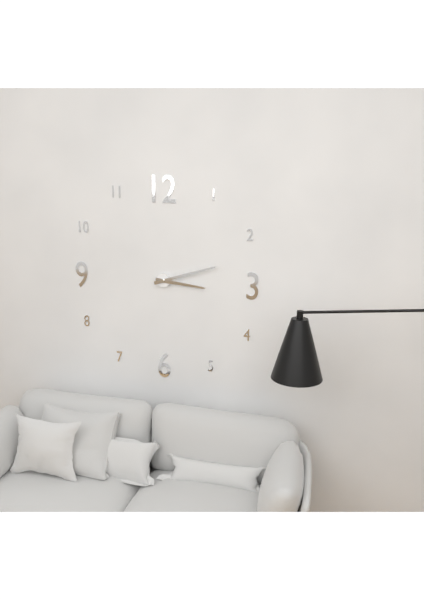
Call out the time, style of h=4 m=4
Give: h=3 m=12
